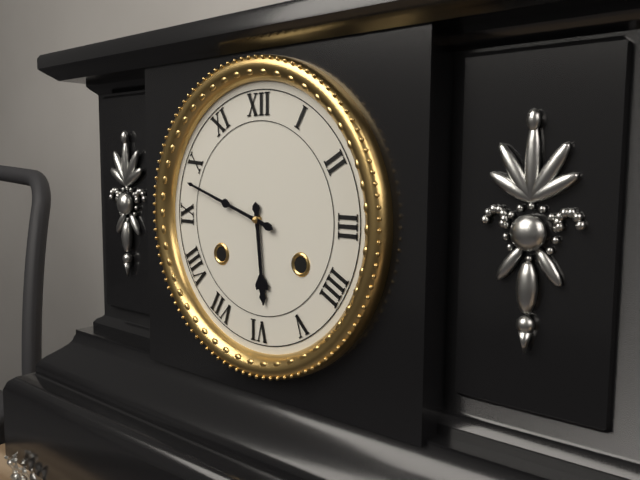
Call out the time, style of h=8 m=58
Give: h=5 m=48
